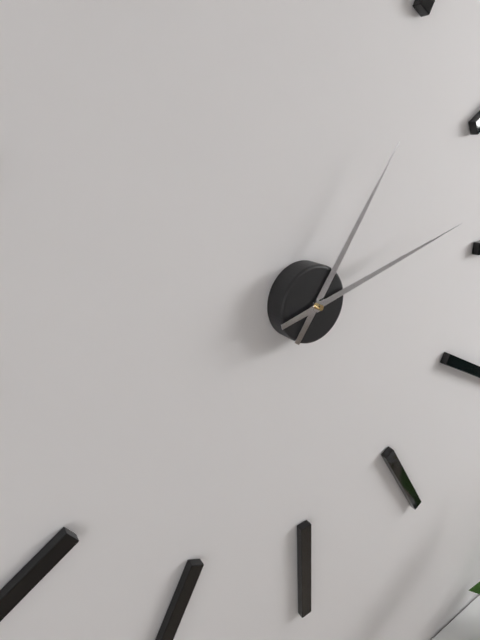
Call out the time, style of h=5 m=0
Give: h=1 m=13
